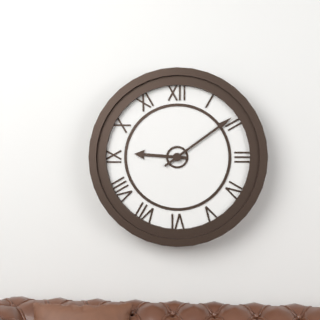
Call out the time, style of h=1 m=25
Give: h=9 m=9
